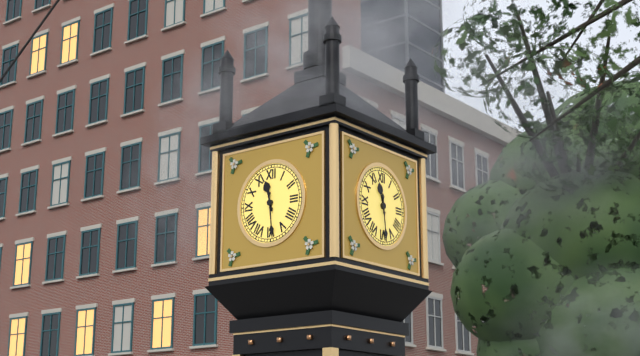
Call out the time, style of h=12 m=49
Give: h=11 m=29
